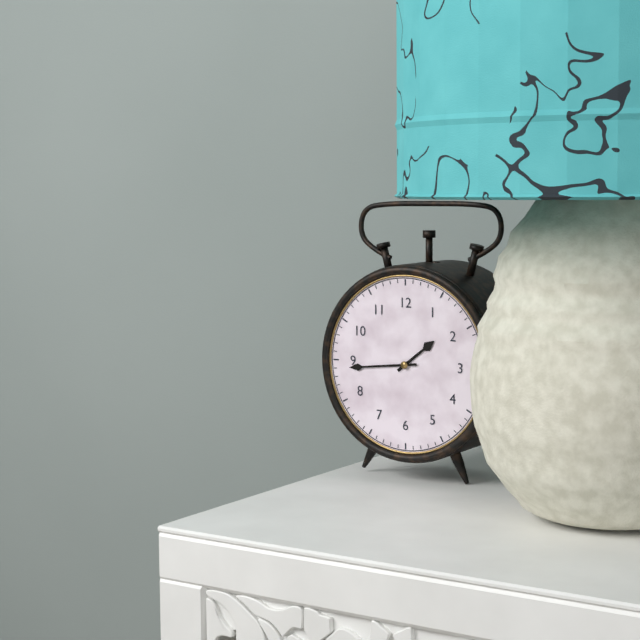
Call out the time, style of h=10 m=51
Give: h=1 m=44
